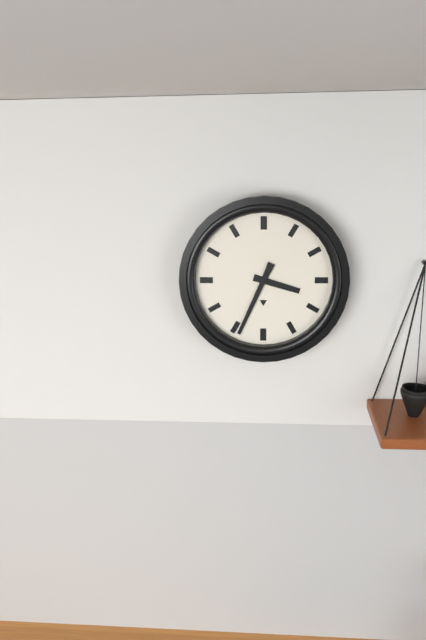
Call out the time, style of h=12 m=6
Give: h=3 m=34
